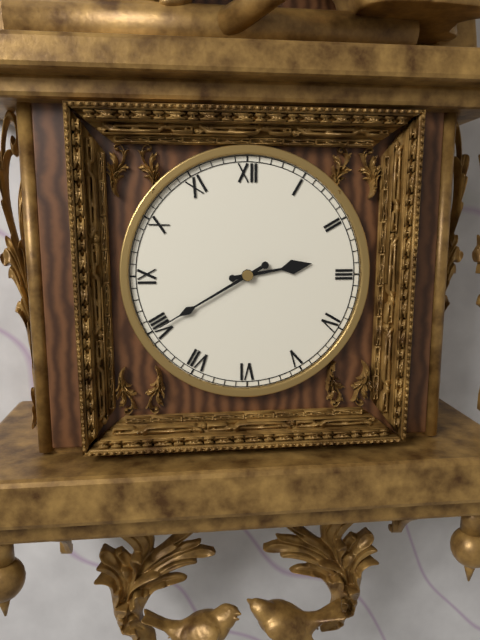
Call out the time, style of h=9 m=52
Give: h=2 m=40
